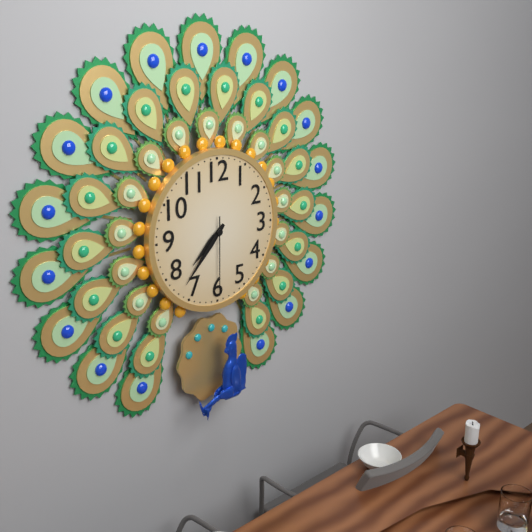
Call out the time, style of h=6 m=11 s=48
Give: h=7 m=37 s=30
